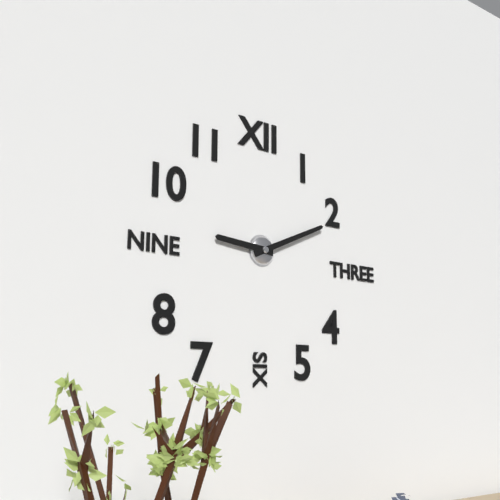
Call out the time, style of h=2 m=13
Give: h=9 m=11
